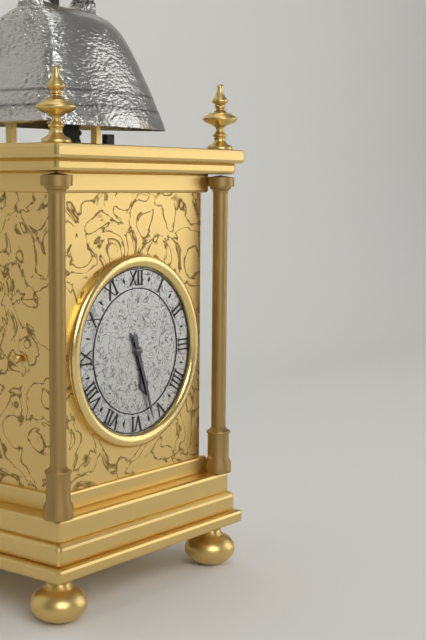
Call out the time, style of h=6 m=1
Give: h=5 m=27
